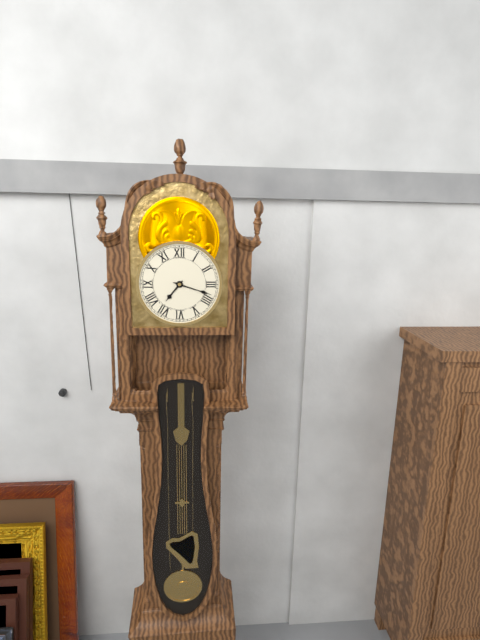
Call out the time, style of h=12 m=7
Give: h=7 m=18
